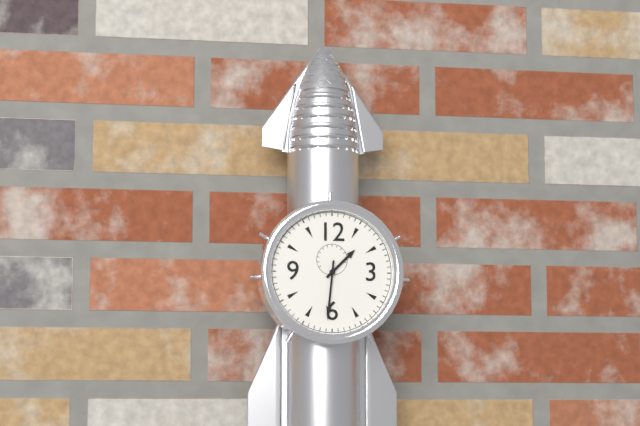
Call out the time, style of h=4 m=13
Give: h=1 m=31
